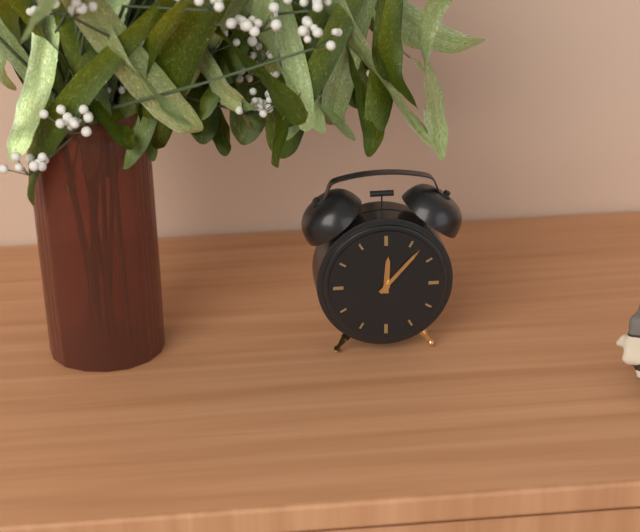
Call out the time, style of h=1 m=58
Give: h=12 m=7
